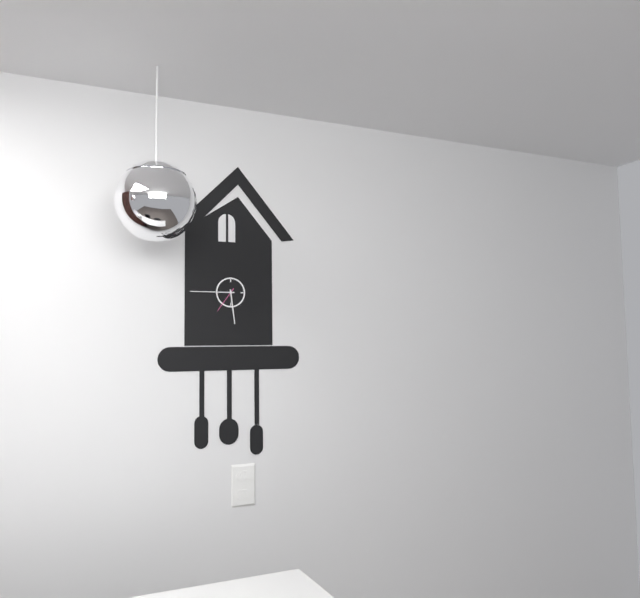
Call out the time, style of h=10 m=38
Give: h=5 m=45
